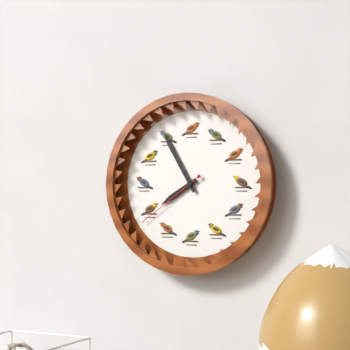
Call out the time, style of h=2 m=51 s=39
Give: h=7 m=55 s=39
